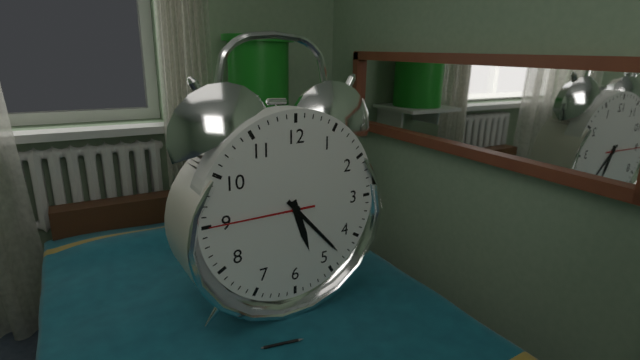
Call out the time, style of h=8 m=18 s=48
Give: h=5 m=23 s=45
